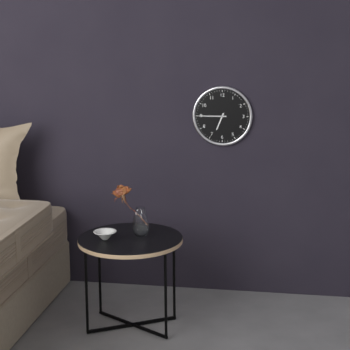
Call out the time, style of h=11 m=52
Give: h=6 m=45
